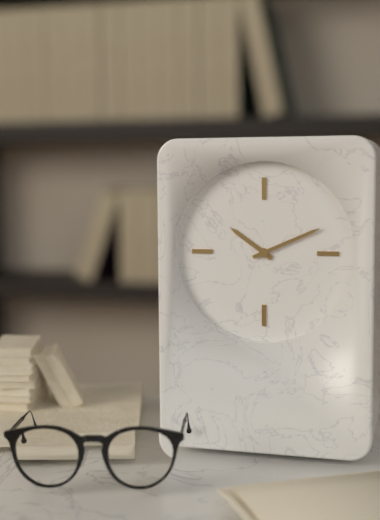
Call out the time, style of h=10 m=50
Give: h=10 m=11
